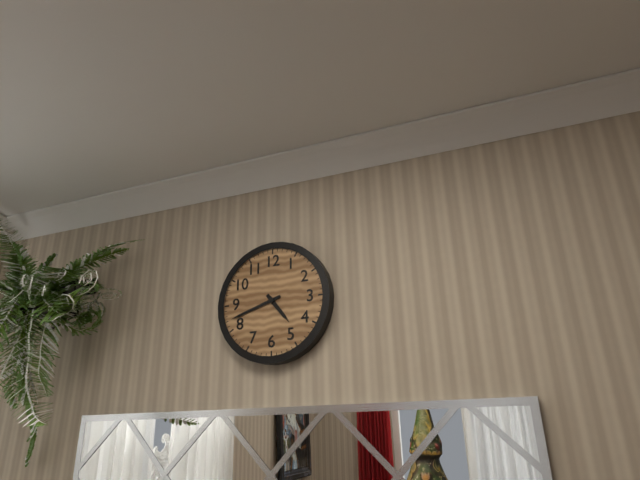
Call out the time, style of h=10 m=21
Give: h=4 m=42
